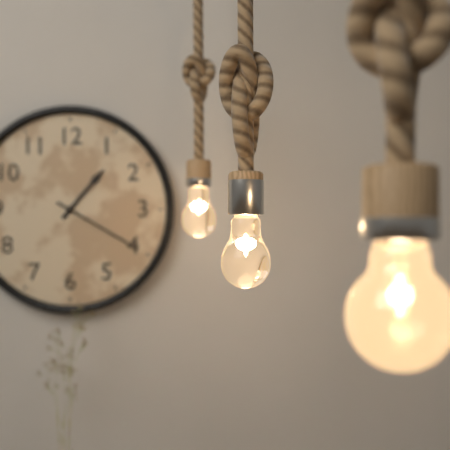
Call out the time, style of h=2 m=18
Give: h=1 m=20
